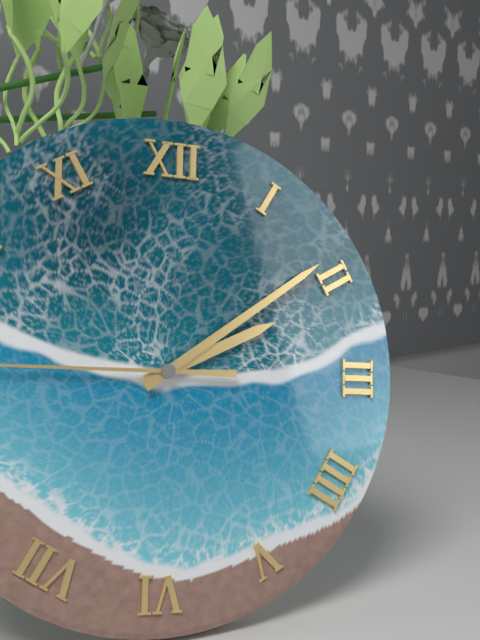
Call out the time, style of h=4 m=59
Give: h=2 m=9
